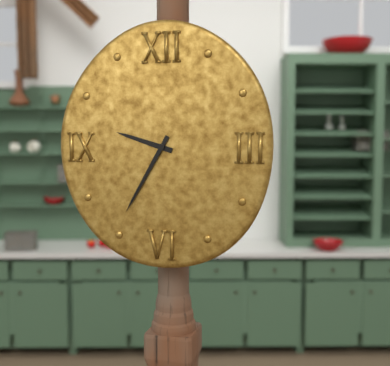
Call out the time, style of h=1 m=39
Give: h=9 m=35
